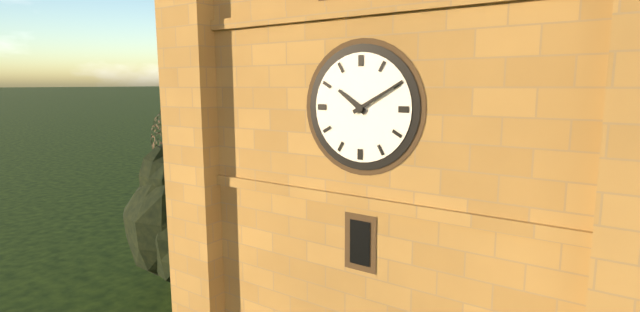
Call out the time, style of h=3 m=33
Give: h=10 m=10
